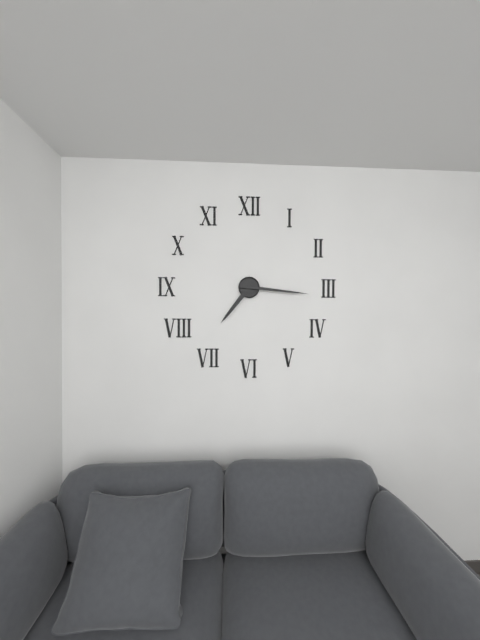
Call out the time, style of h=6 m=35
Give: h=7 m=16
